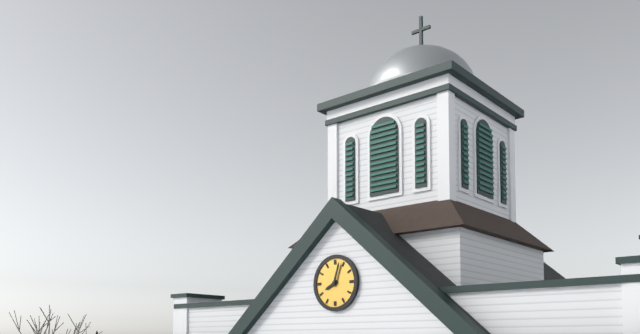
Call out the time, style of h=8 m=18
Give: h=8 m=3
